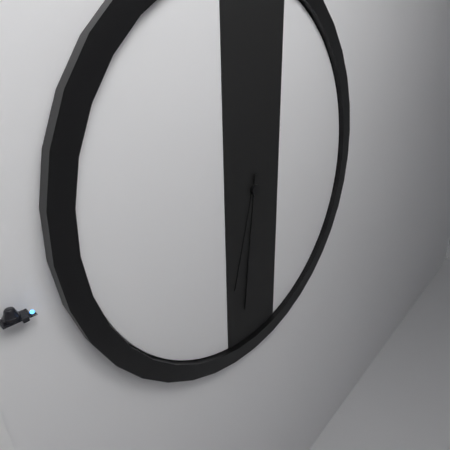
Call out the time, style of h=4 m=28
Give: h=6 m=31
